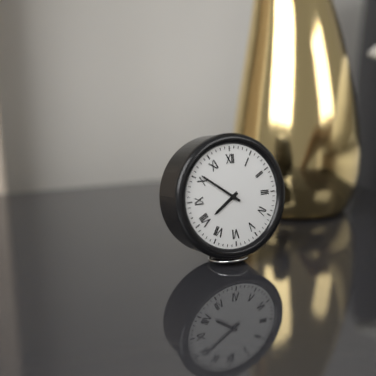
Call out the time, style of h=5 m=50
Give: h=7 m=51
